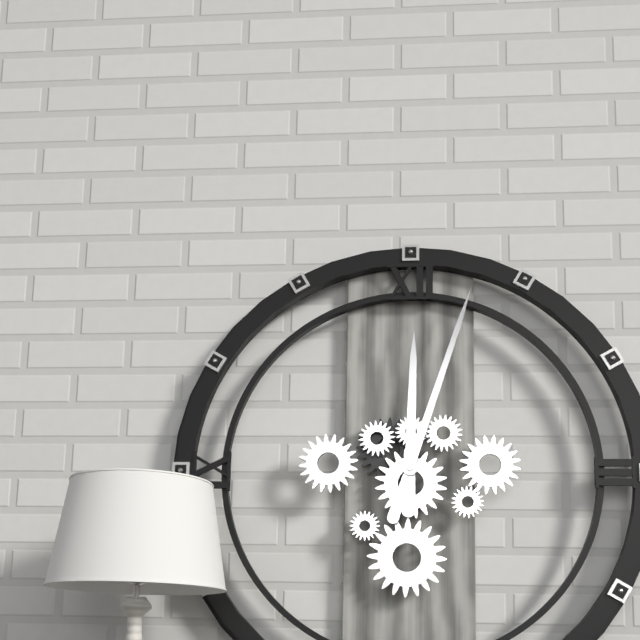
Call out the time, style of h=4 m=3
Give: h=12 m=3
